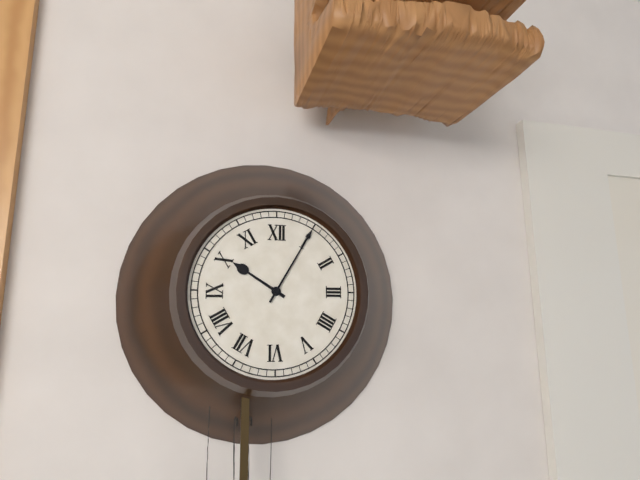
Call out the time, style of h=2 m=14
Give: h=10 m=5
